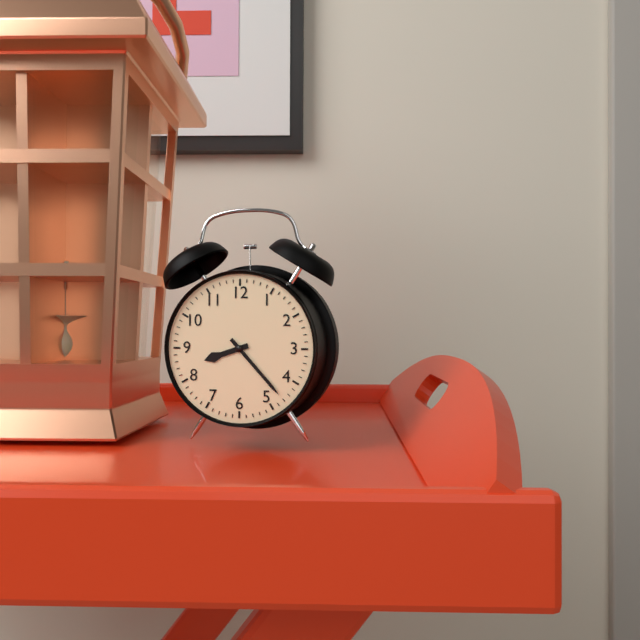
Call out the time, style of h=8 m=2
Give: h=8 m=23
